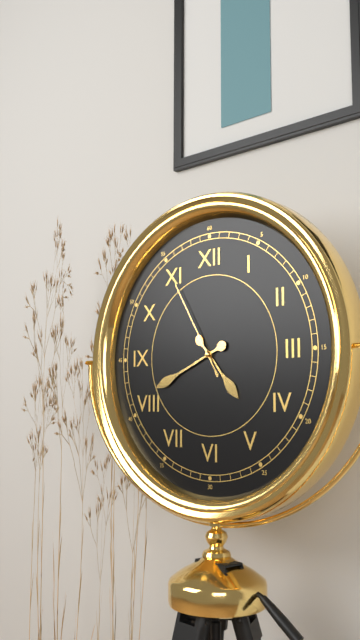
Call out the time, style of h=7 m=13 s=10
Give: h=4 m=41 s=55
